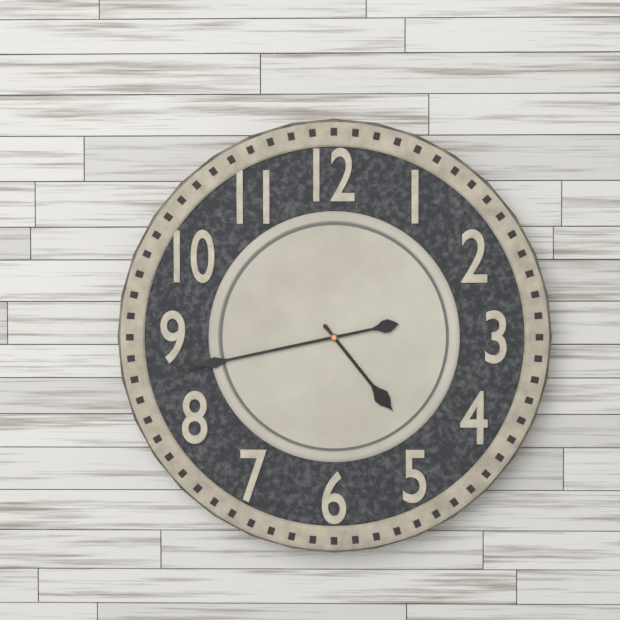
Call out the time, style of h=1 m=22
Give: h=4 m=43
